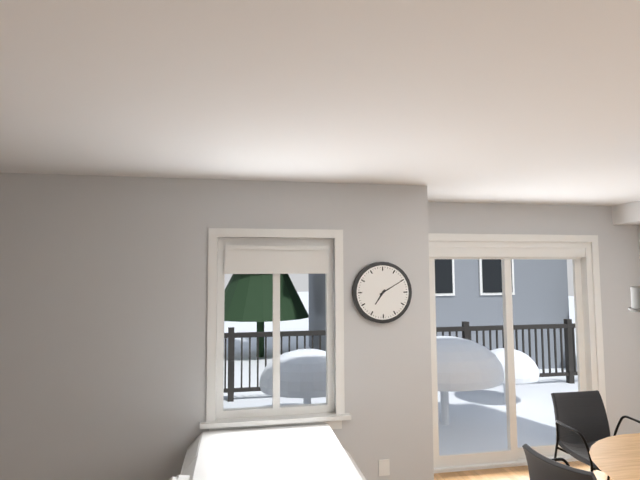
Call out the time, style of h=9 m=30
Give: h=7 m=10
